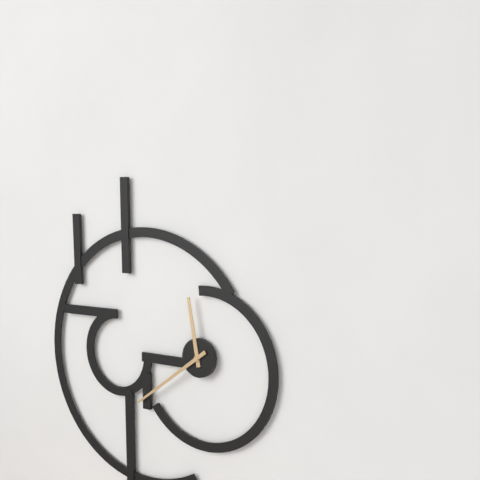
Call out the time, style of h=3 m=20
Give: h=11 m=39
